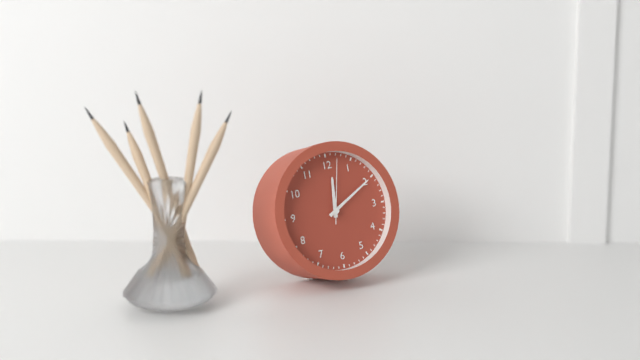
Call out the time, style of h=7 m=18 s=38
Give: h=12 m=10 s=2
